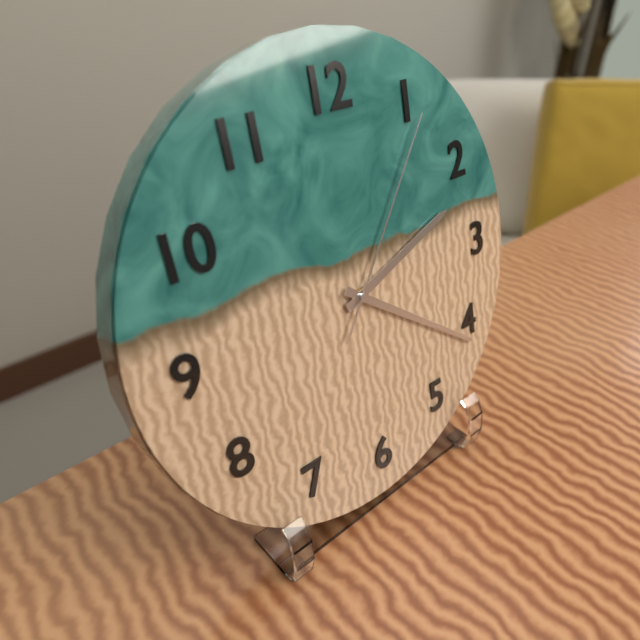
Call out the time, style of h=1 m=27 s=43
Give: h=2 m=21 s=6
